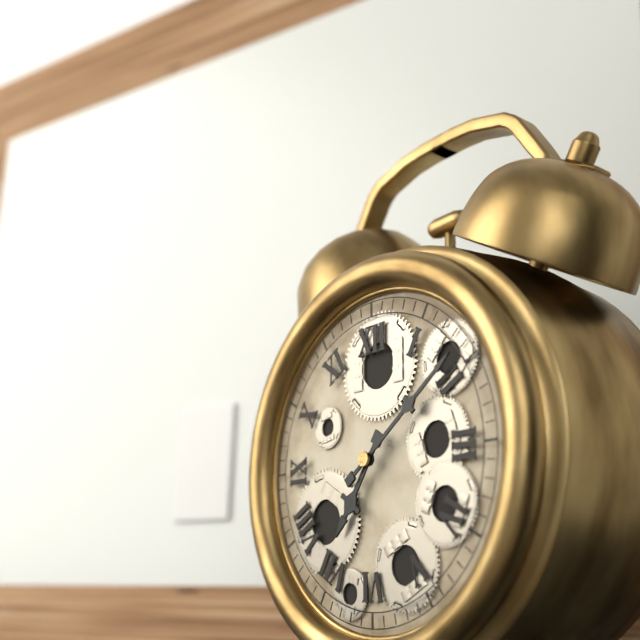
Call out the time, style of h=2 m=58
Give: h=7 m=9
